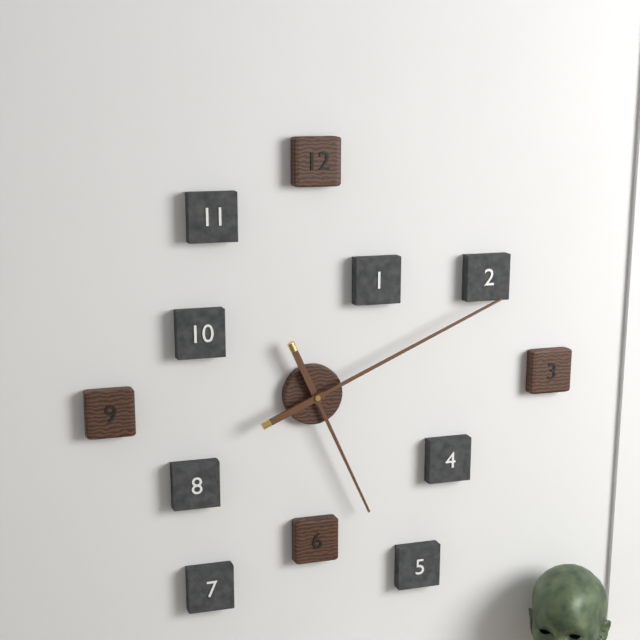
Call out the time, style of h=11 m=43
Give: h=5 m=11
